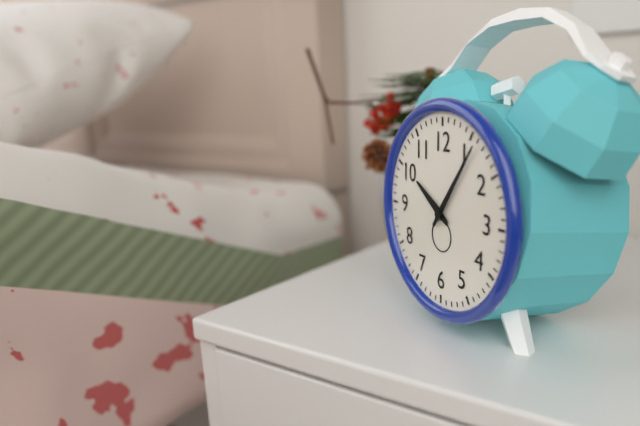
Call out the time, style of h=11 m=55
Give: h=10 m=6
